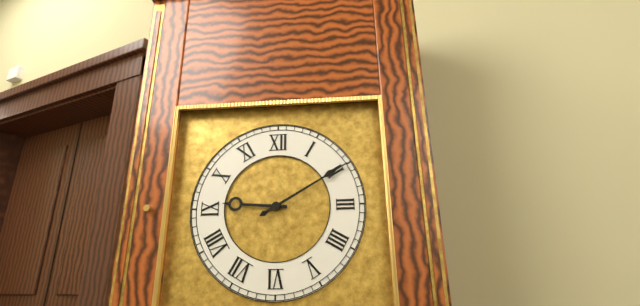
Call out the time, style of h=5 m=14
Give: h=9 m=10
